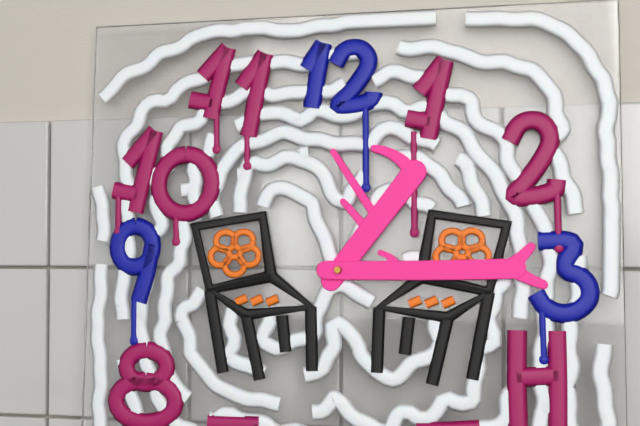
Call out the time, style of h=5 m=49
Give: h=1 m=15
